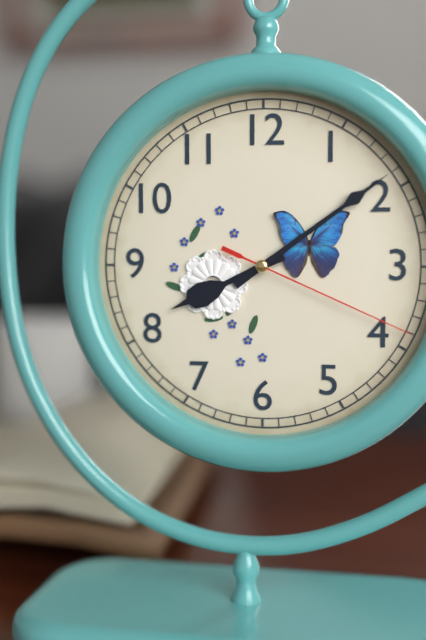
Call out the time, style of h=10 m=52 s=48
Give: h=8 m=9 s=19
